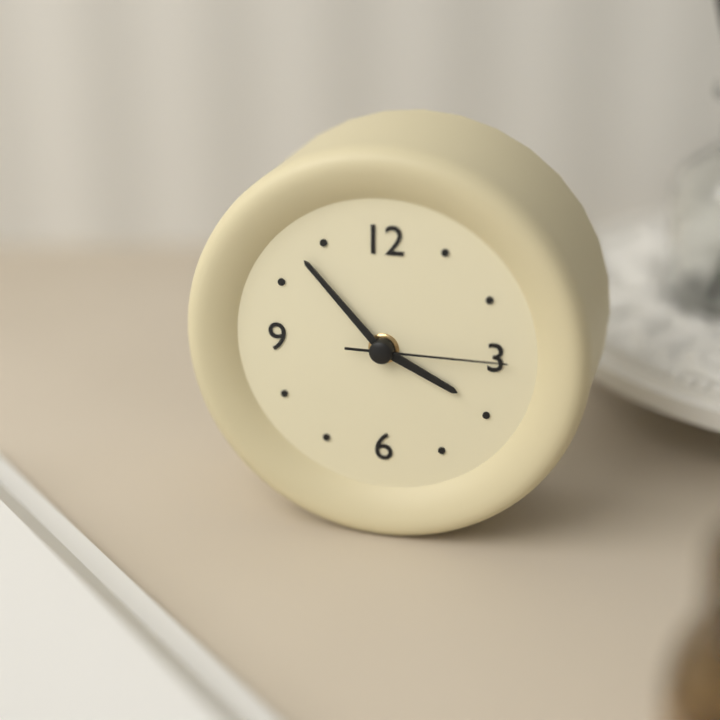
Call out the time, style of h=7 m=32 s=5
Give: h=3 m=53 s=15
